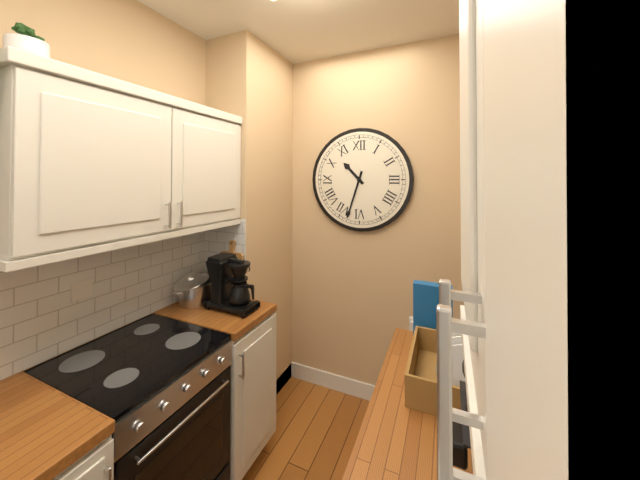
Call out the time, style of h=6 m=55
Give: h=10 m=33
